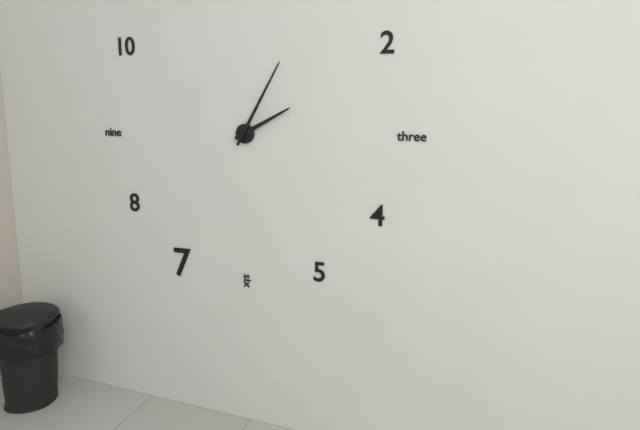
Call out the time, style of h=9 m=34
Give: h=2 m=5
